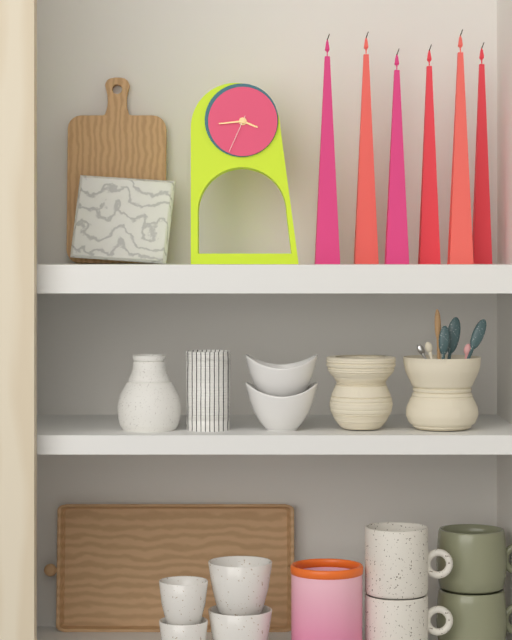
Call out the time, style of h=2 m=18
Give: h=3 m=44
